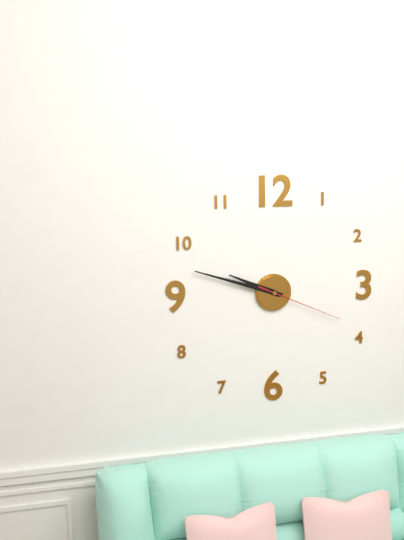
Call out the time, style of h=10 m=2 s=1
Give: h=9 m=48 s=19
